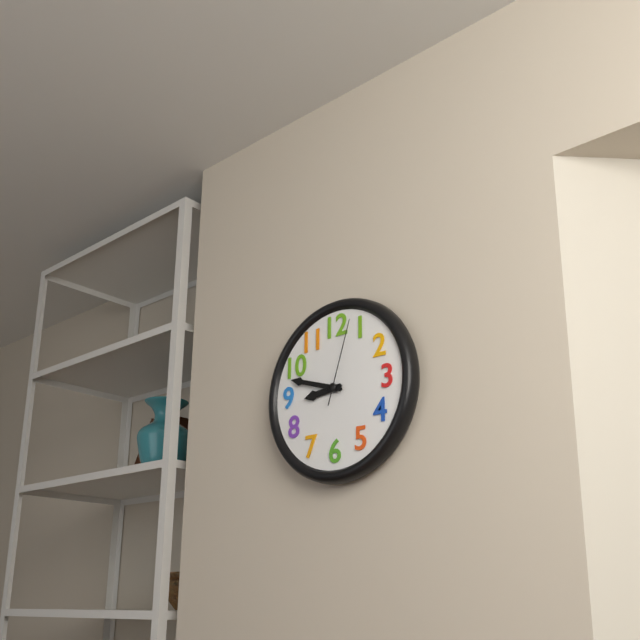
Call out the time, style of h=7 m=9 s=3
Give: h=8 m=48 s=3
